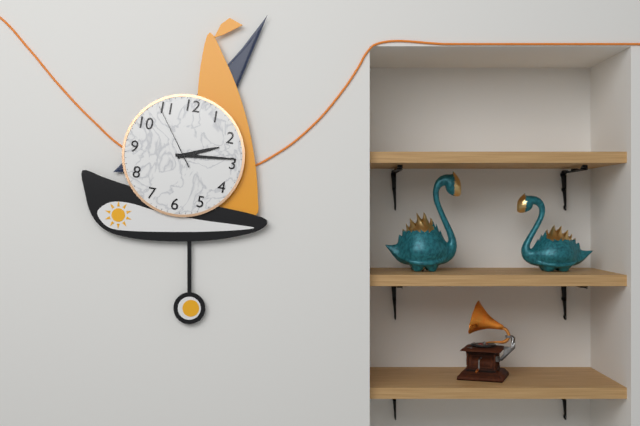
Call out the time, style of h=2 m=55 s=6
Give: h=2 m=14 s=54
